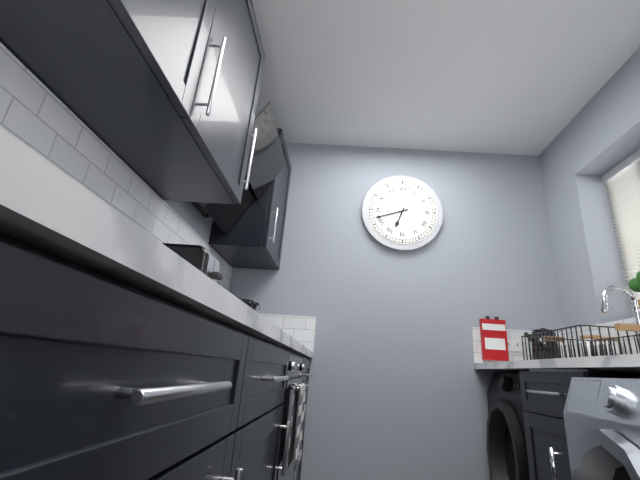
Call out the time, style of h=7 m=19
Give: h=6 m=42
